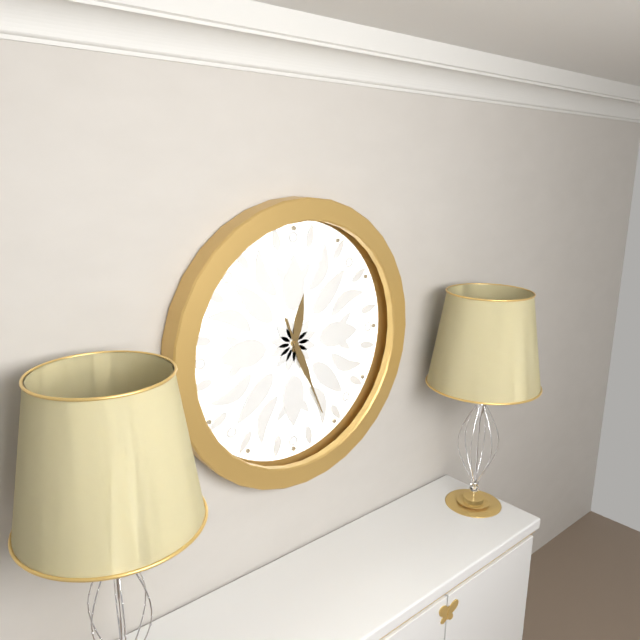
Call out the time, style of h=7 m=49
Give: h=12 m=26
